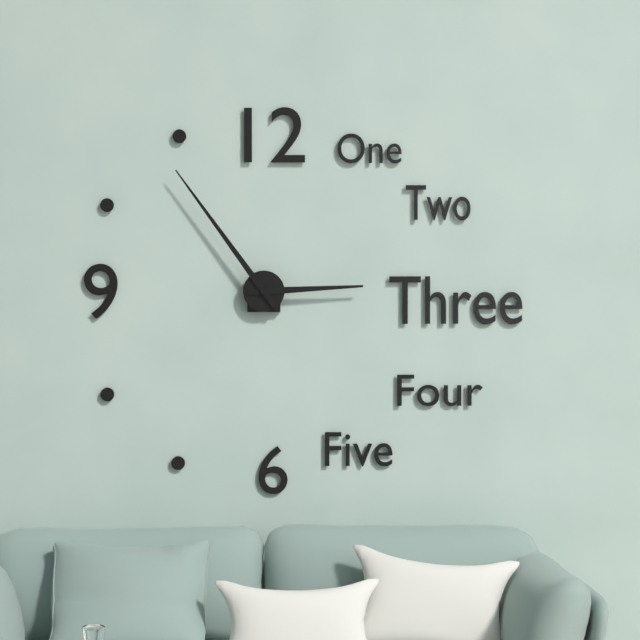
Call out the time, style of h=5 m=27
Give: h=2 m=54
